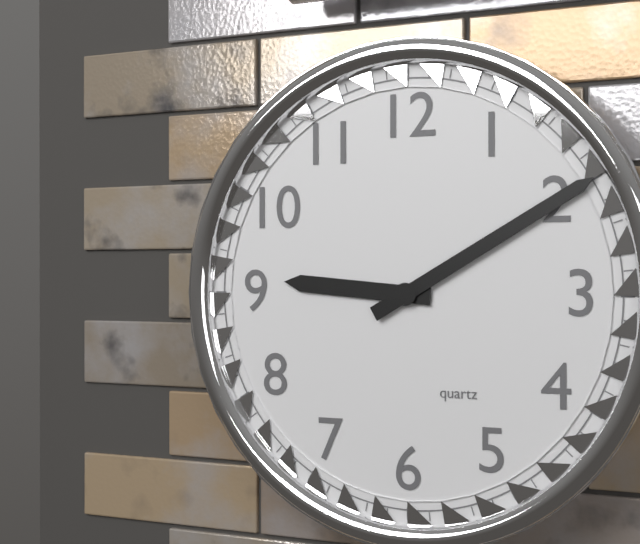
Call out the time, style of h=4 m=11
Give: h=9 m=10
